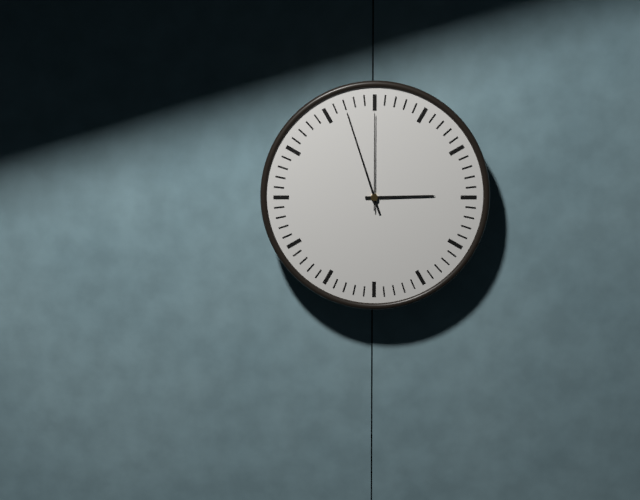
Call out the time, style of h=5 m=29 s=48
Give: h=2 m=57 s=0
